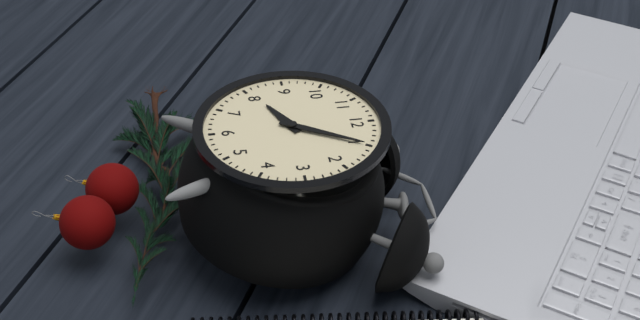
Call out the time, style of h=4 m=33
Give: h=8 m=5
